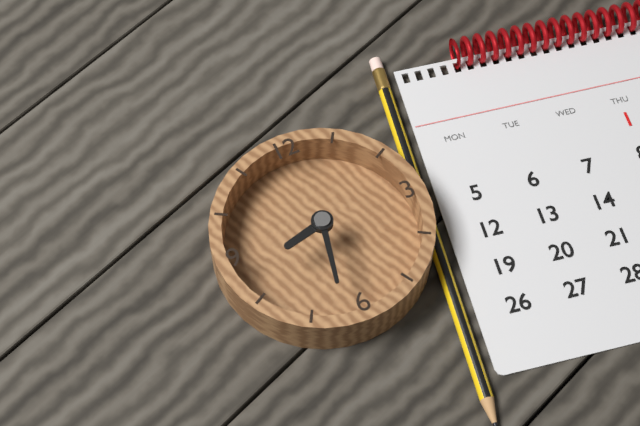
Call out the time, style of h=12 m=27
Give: h=8 m=32
